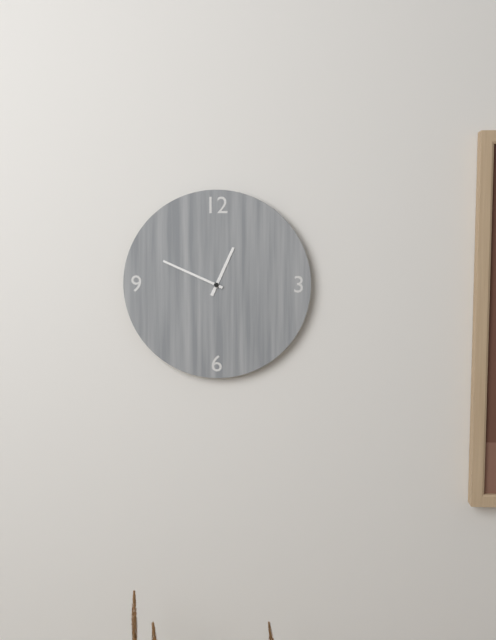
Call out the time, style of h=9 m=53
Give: h=12 m=49
